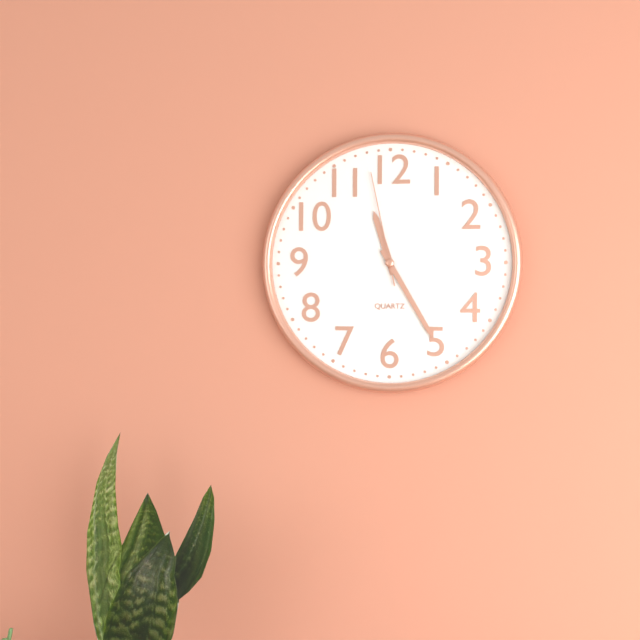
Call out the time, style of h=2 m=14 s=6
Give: h=11 m=25 s=58
